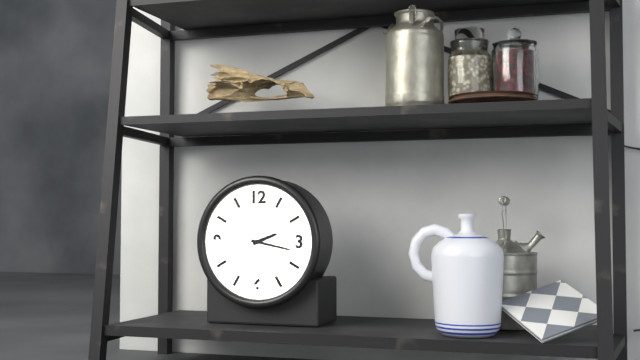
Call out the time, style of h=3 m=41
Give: h=2 m=17
